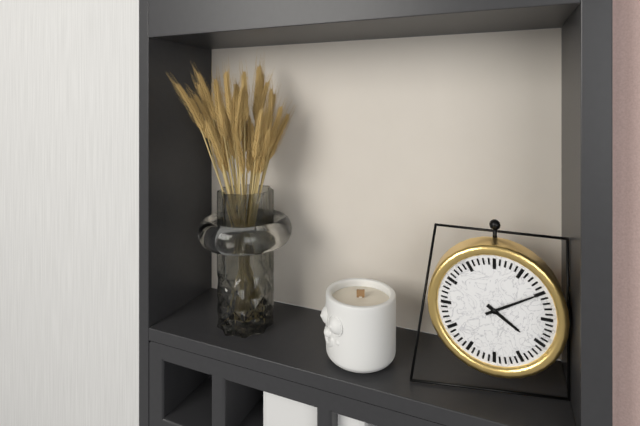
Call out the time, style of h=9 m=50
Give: h=4 m=10
